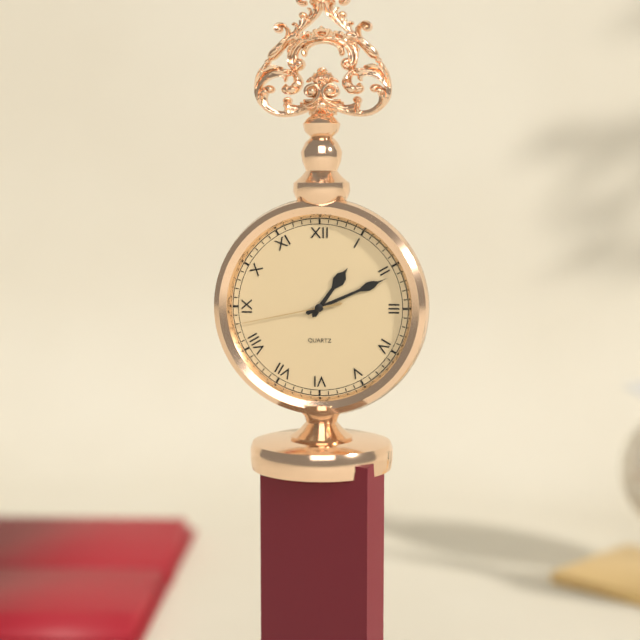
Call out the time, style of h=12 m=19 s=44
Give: h=1 m=11 s=43
